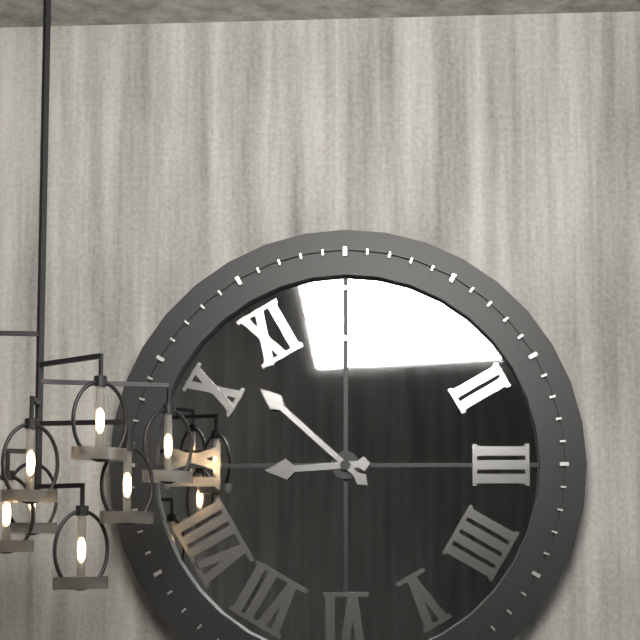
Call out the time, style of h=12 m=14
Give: h=8 m=52
